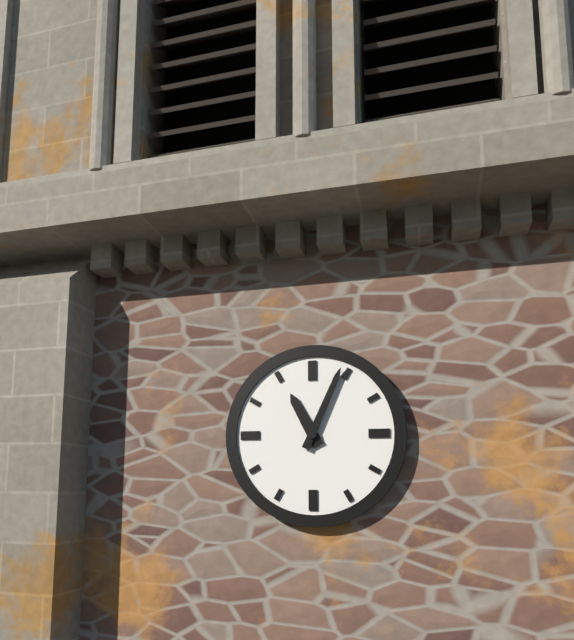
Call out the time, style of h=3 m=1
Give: h=11 m=4
